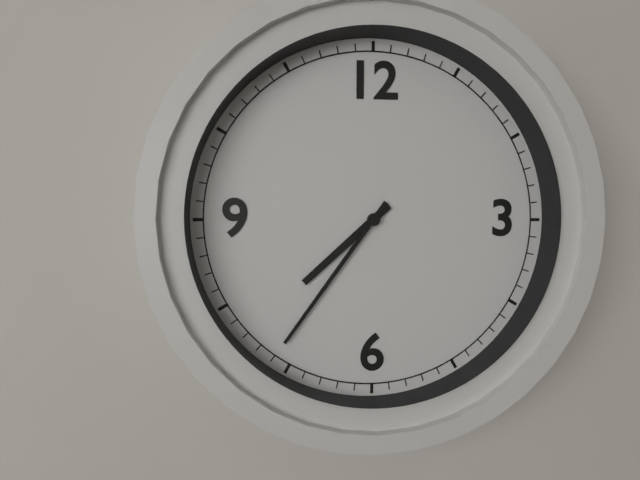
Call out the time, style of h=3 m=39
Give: h=7 m=36
